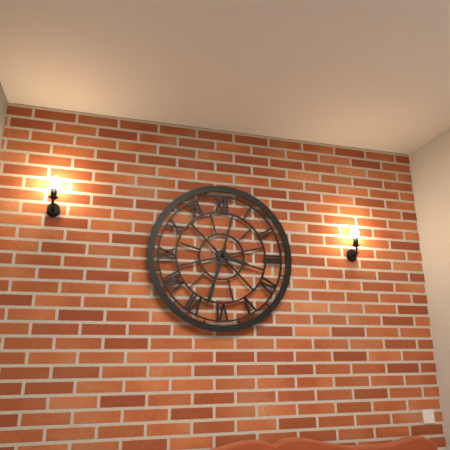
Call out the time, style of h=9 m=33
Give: h=3 m=33
